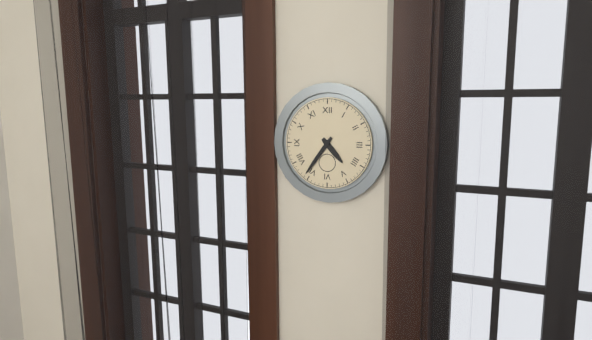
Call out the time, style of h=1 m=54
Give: h=4 m=36
